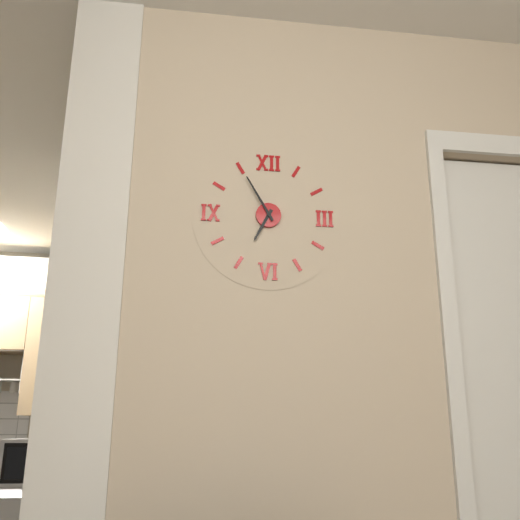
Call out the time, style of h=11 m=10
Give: h=6 m=55
